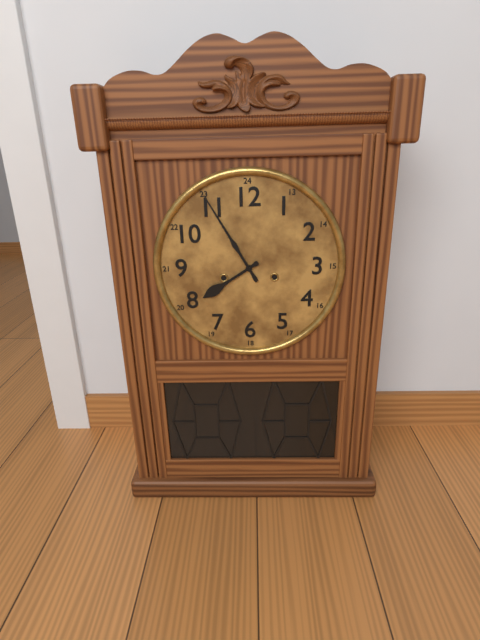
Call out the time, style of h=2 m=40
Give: h=7 m=55
